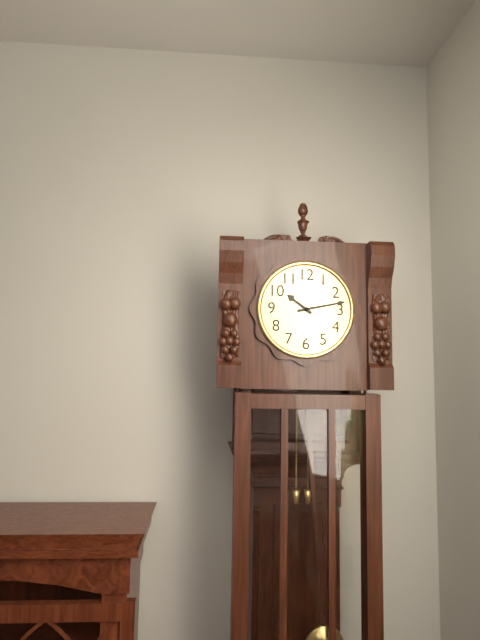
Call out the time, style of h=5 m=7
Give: h=10 m=13
